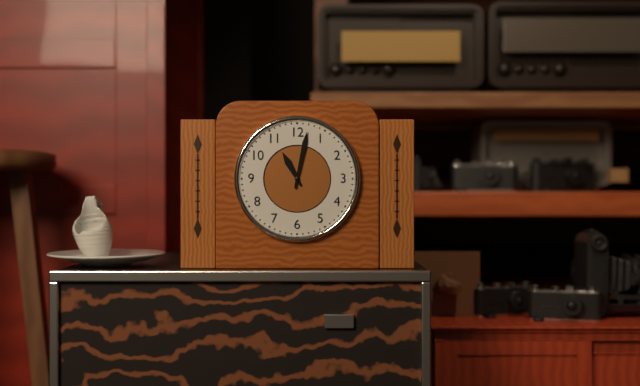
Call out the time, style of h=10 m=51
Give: h=11 m=2
